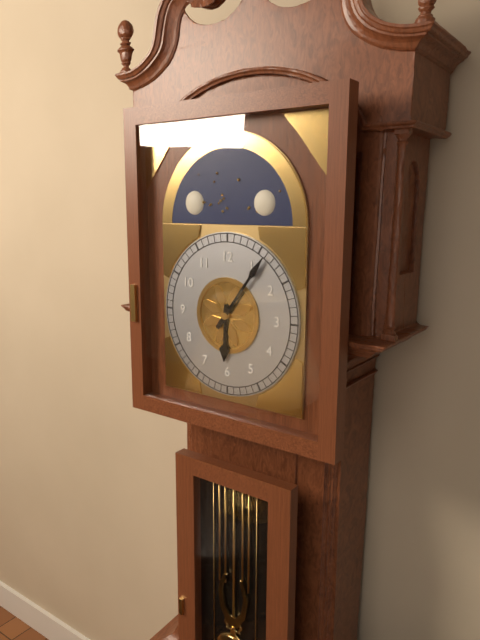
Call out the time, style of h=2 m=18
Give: h=6 m=6
